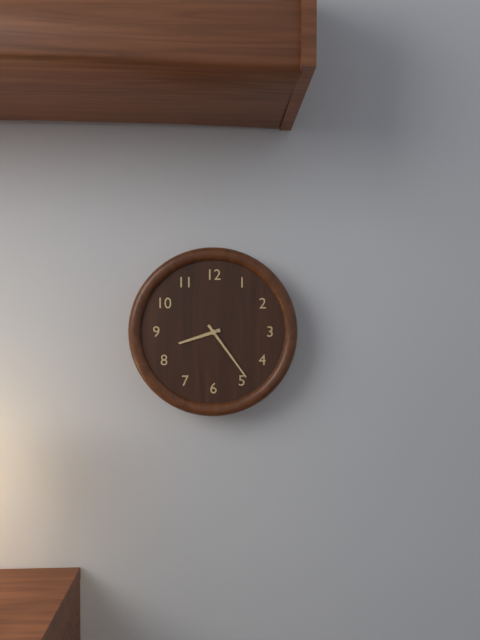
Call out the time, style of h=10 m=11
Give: h=8 m=24
